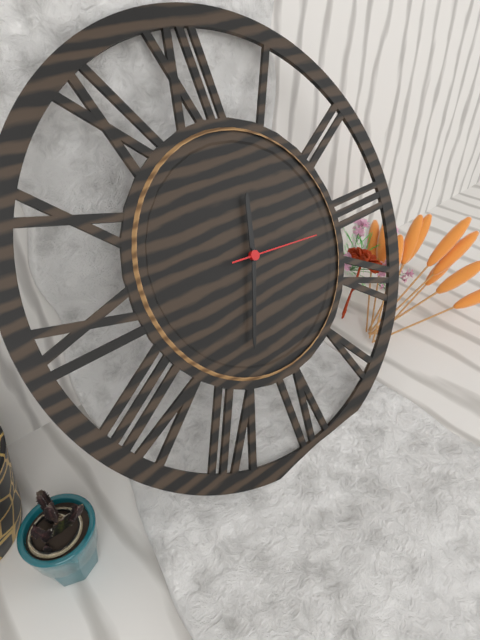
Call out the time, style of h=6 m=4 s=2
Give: h=12 m=34 s=16
